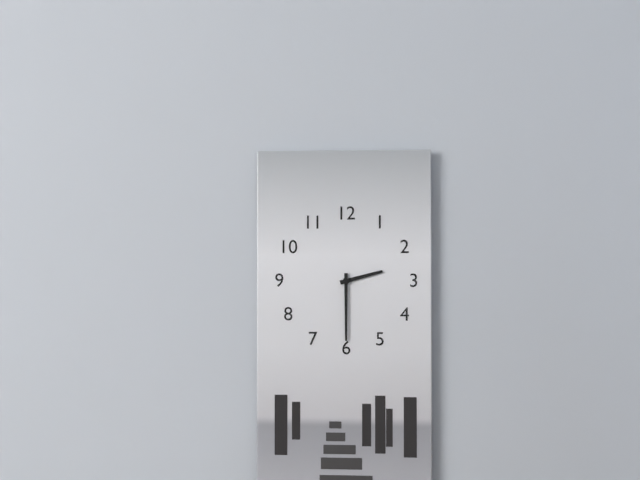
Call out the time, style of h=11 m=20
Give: h=2 m=30
